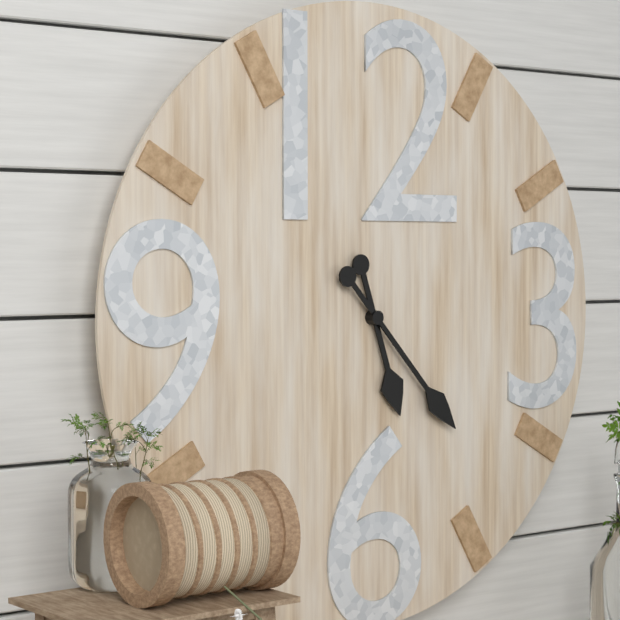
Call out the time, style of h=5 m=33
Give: h=5 m=23
